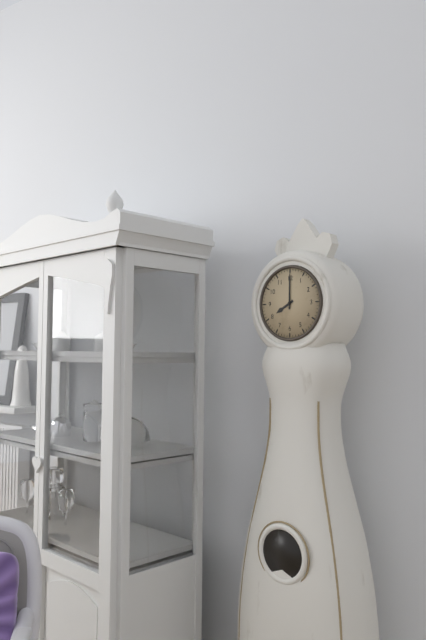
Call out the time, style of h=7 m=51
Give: h=8 m=0
